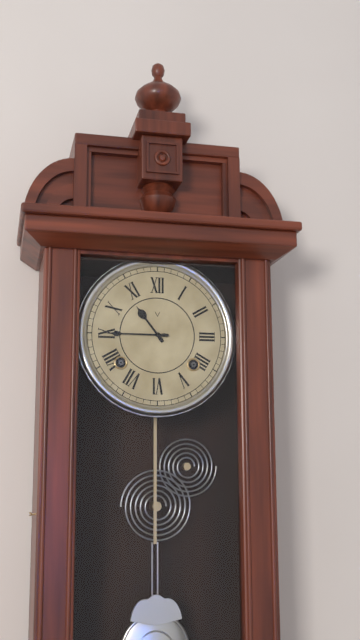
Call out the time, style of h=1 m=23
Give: h=10 m=45
